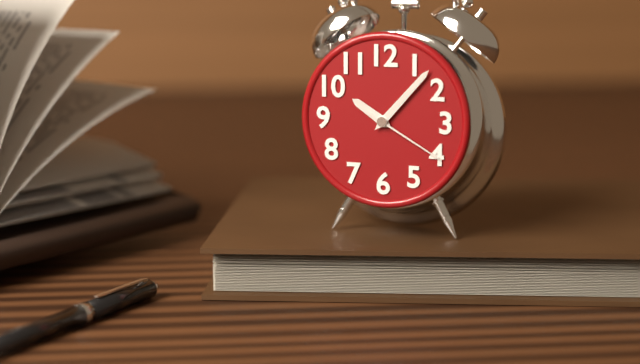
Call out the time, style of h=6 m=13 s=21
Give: h=10 m=7 s=20
